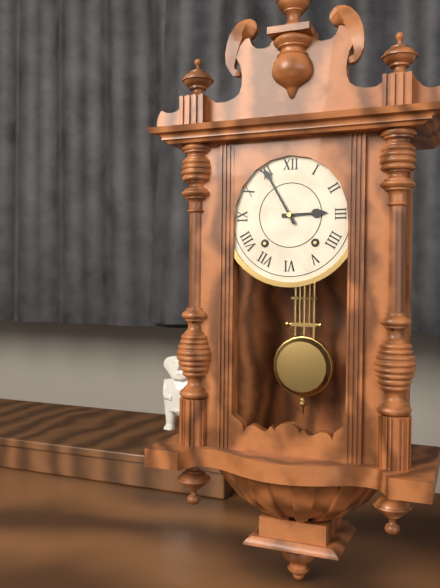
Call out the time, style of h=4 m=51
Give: h=2 m=55
